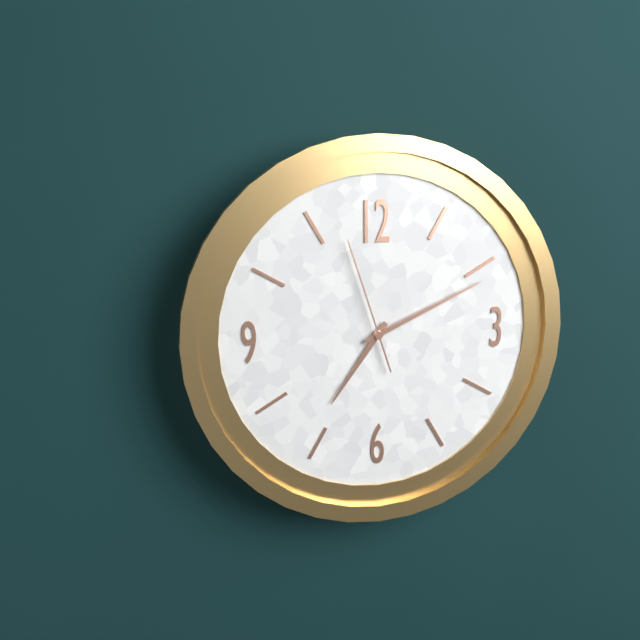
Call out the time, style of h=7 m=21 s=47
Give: h=7 m=11 s=57
